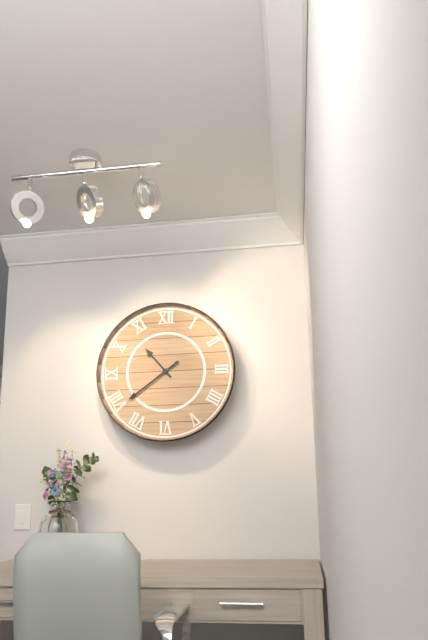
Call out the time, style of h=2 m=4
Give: h=10 m=39
